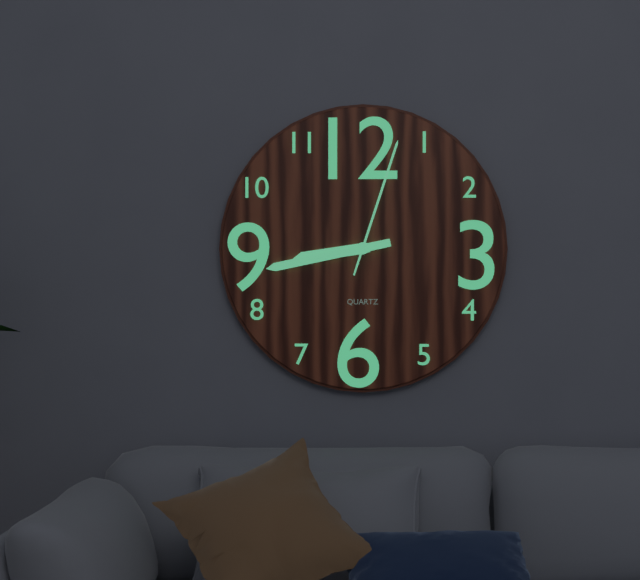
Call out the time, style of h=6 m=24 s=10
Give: h=8 m=43 s=3
